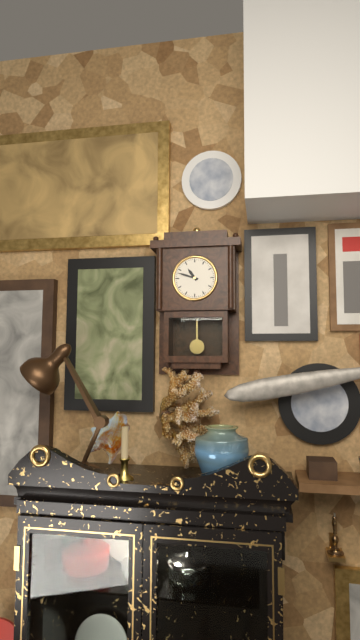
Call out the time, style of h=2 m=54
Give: h=10 m=48
